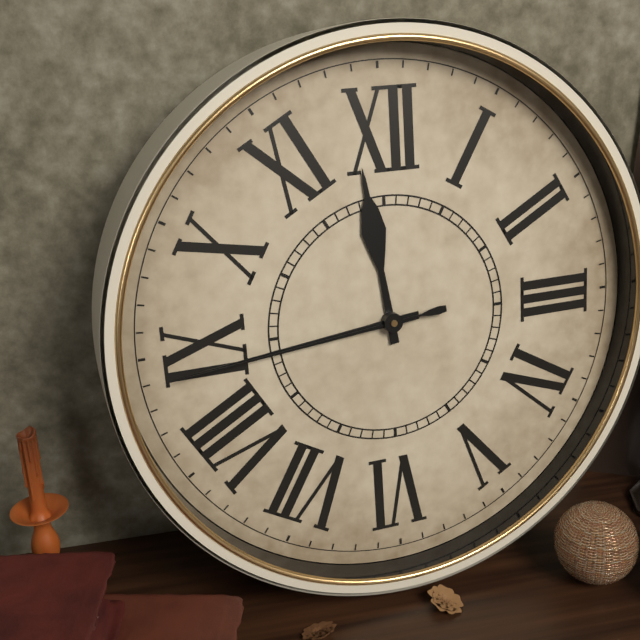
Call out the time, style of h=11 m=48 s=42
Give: h=11 m=44 s=44
